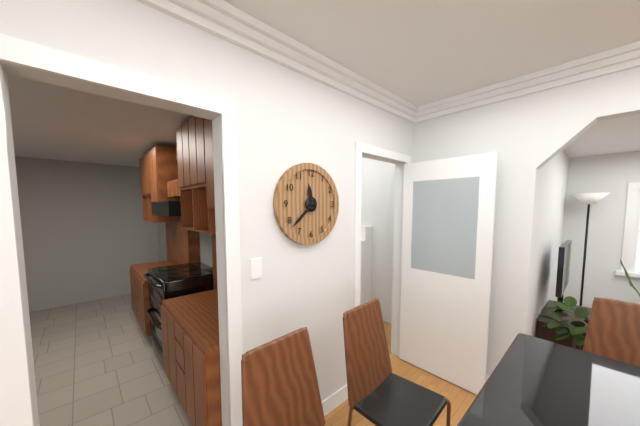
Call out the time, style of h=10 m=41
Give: h=11 m=38
